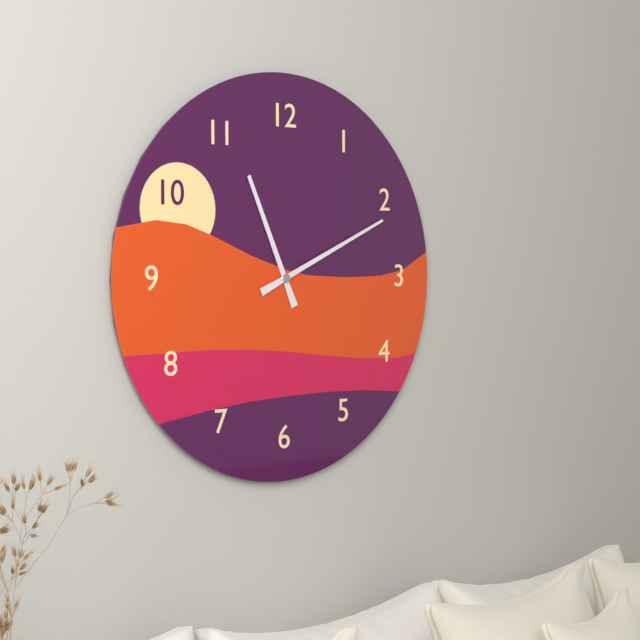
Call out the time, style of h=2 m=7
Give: h=11 m=11
